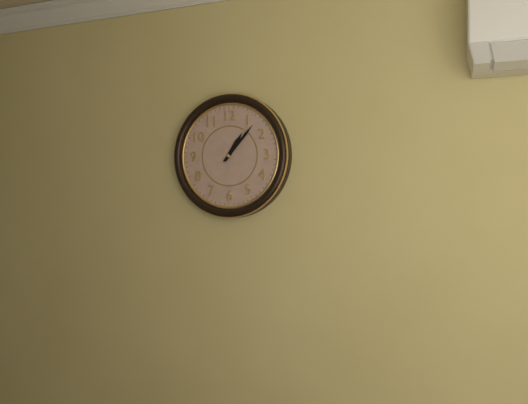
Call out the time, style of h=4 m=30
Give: h=1 m=7
